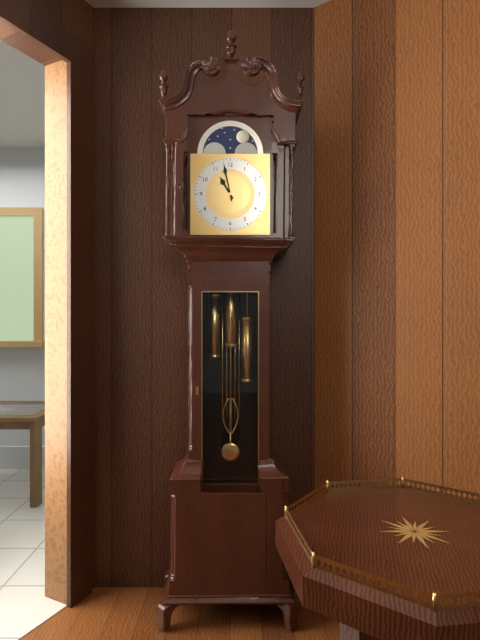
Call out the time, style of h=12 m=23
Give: h=10 m=58
